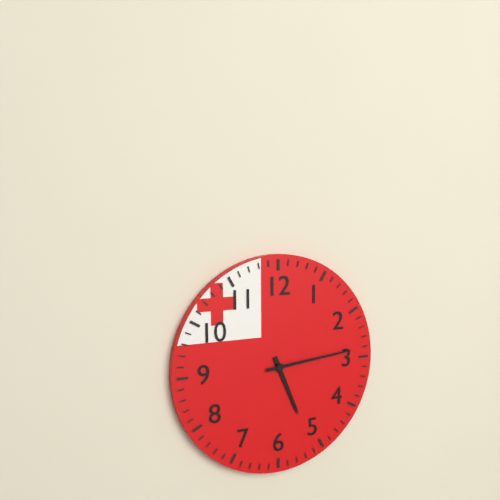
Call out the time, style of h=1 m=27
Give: h=5 m=14
